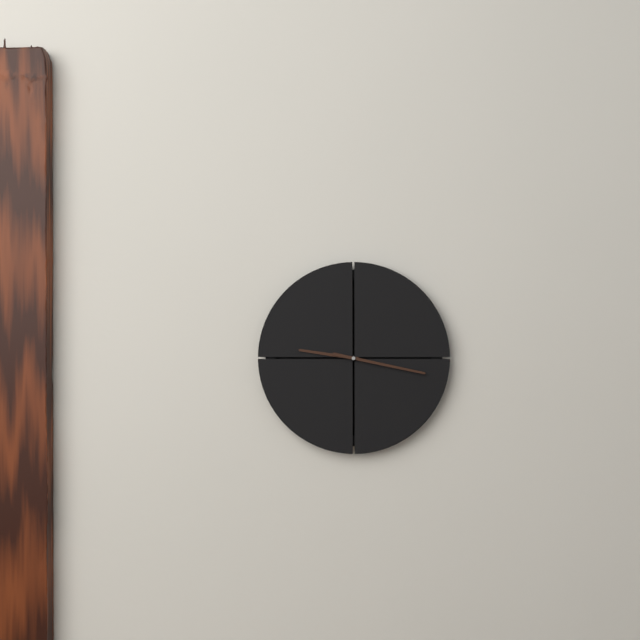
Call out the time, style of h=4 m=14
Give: h=9 m=17
